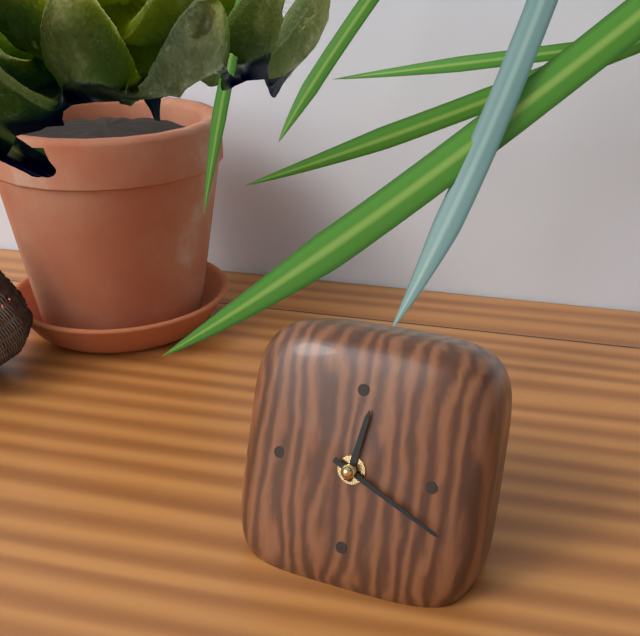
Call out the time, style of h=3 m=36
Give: h=12 m=19
